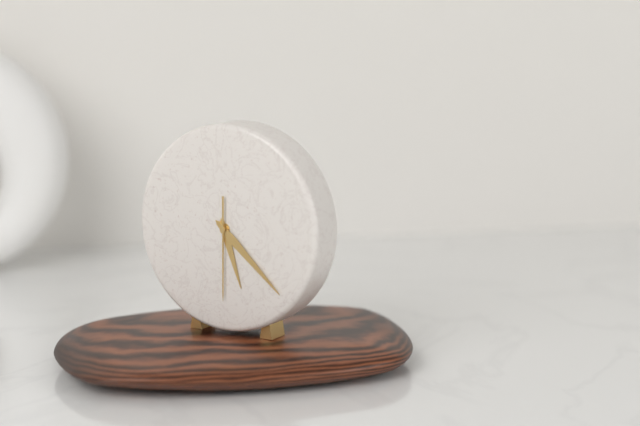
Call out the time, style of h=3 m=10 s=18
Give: h=5 m=22 s=30
